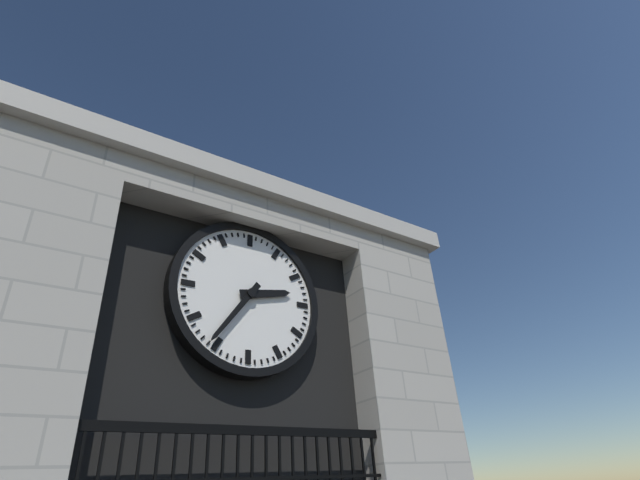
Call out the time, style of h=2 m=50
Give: h=2 m=36
